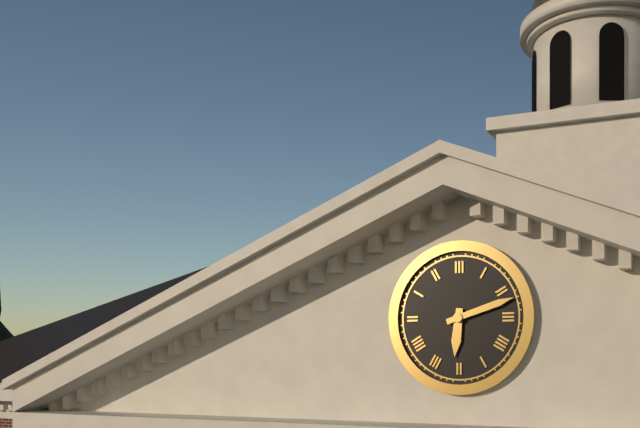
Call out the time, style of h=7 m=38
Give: h=6 m=12
